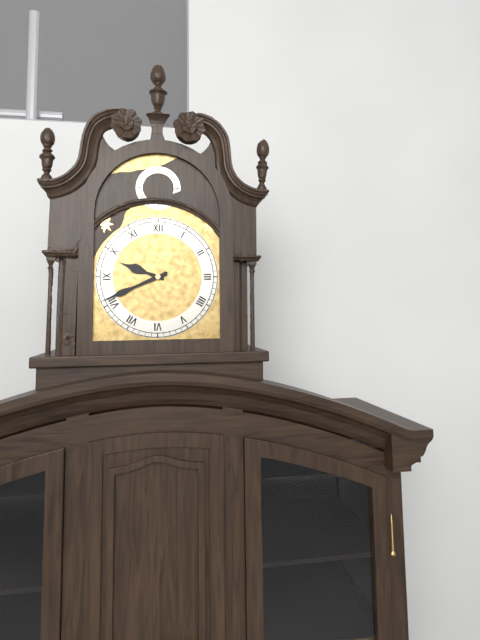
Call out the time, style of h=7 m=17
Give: h=9 m=41
